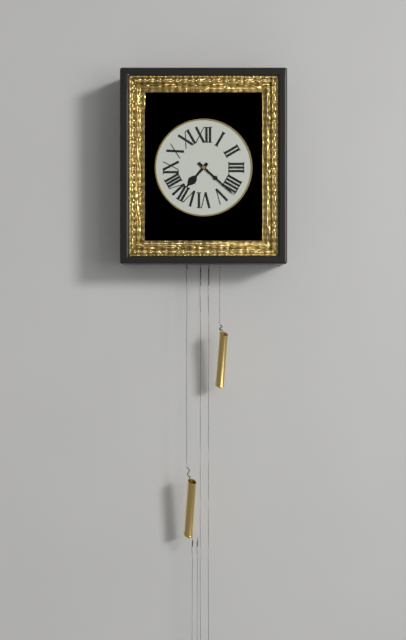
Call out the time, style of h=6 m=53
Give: h=7 m=22
